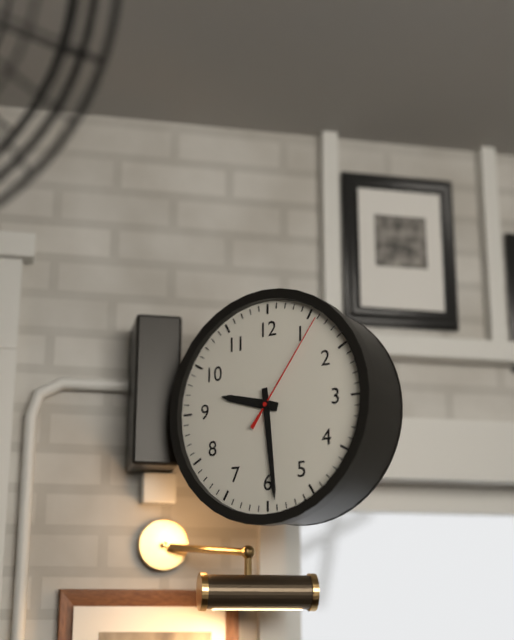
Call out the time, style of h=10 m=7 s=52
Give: h=9 m=29 s=6
